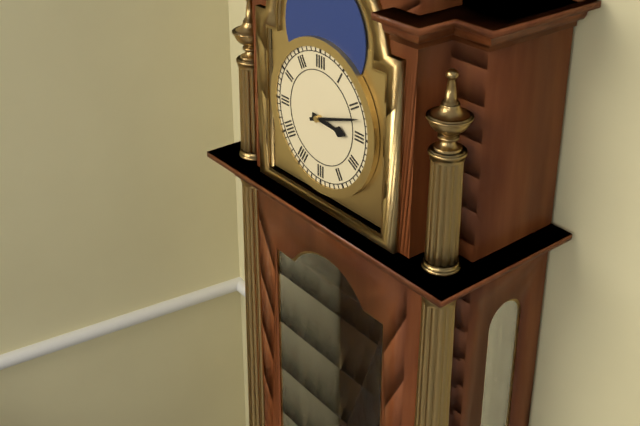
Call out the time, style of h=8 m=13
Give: h=3 m=12
